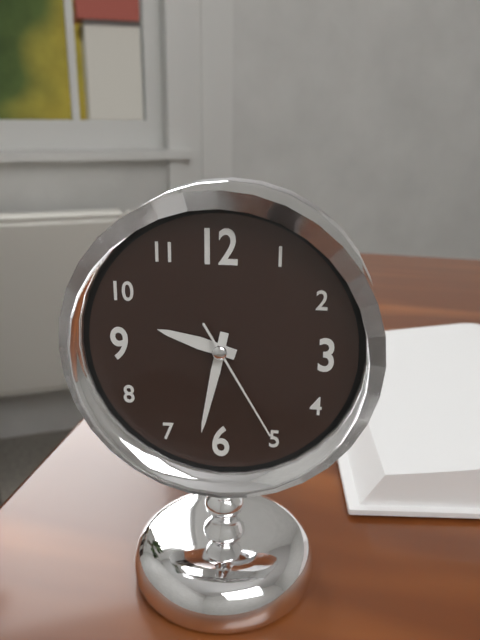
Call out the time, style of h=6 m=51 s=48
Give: h=9 m=32 s=25
